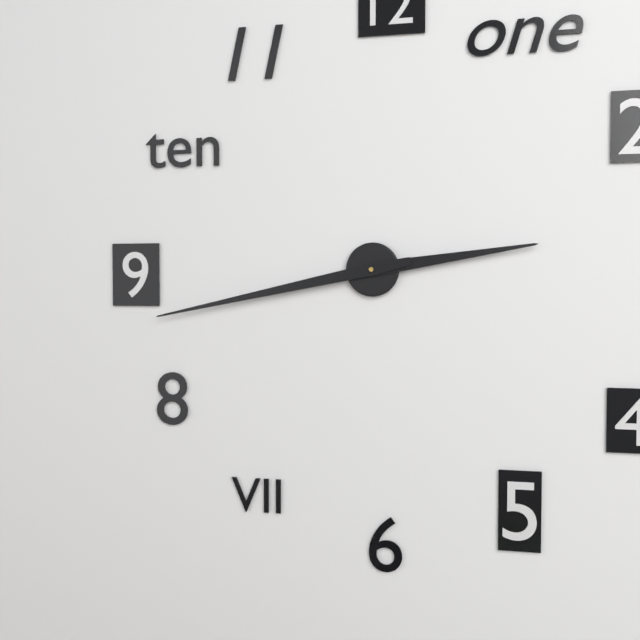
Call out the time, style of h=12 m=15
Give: h=2 m=43
